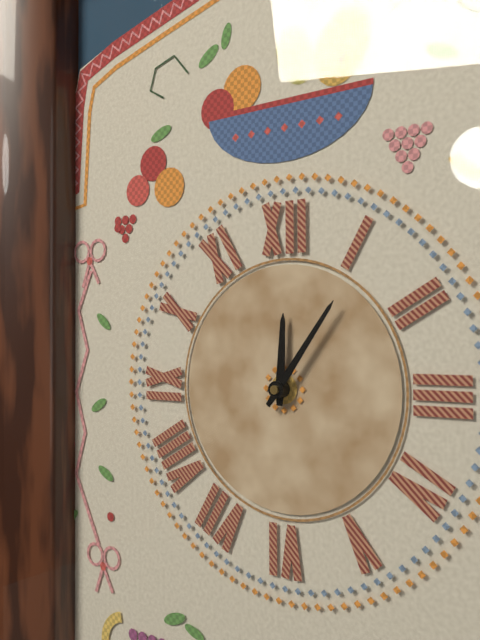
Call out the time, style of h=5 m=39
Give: h=12 m=6
